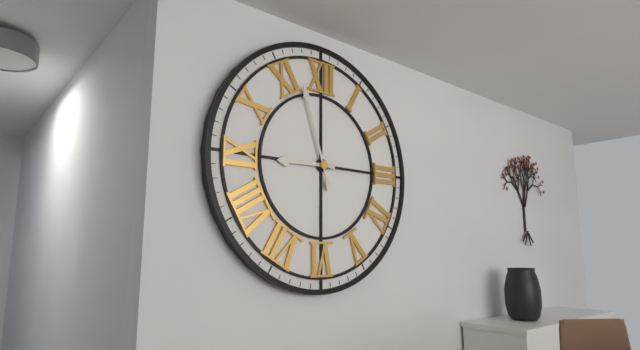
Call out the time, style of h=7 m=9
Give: h=8 m=57
